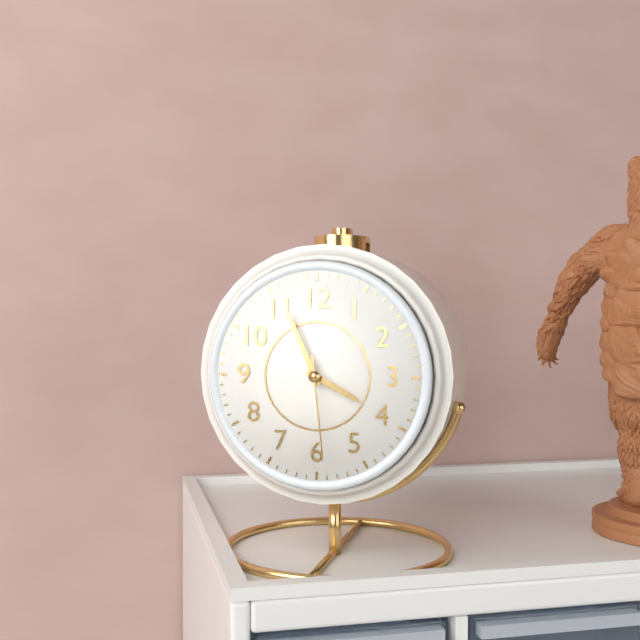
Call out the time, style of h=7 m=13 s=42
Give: h=3 m=56 s=29
